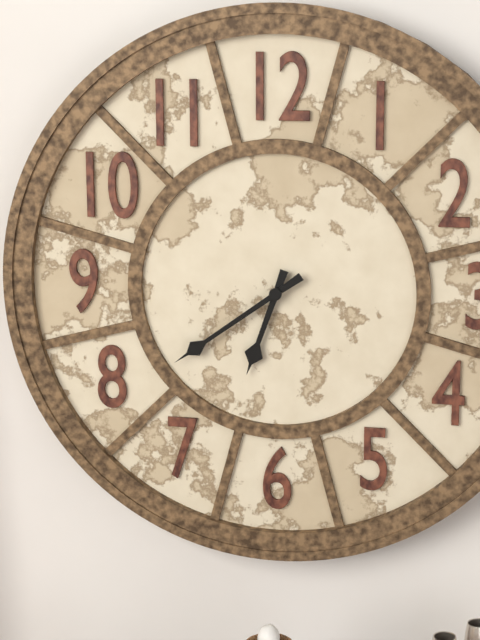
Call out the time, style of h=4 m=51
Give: h=6 m=39
